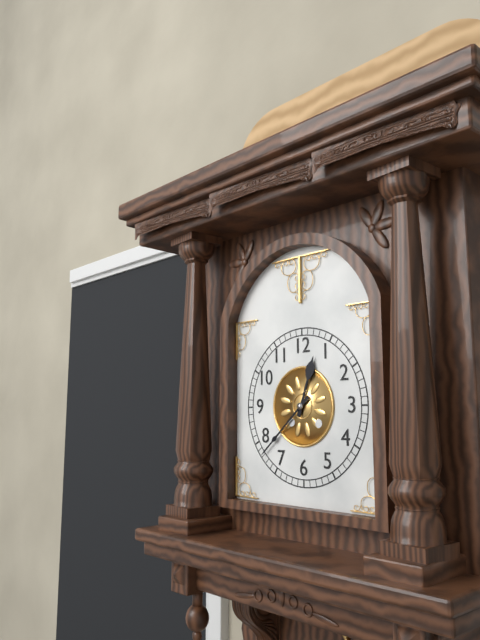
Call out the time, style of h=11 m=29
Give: h=12 m=38
